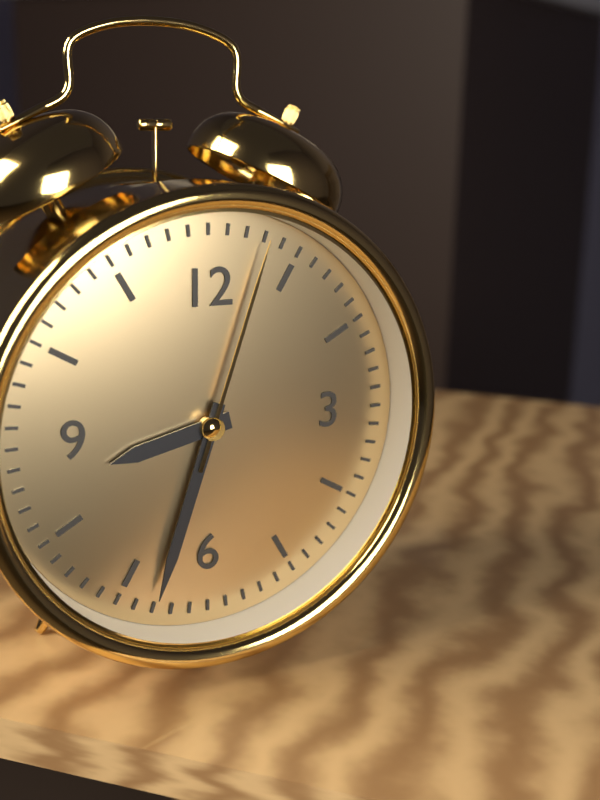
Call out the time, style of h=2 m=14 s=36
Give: h=8 m=33 s=3
